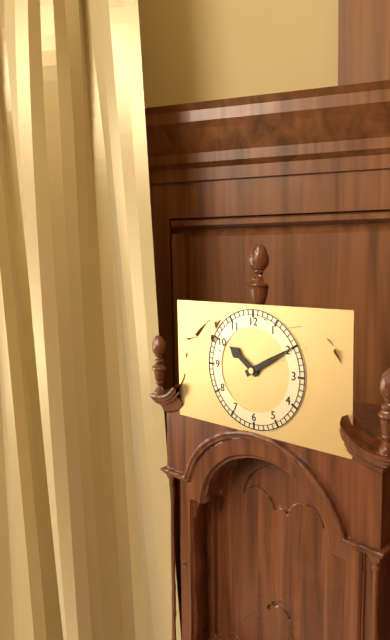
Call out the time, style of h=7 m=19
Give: h=10 m=10
